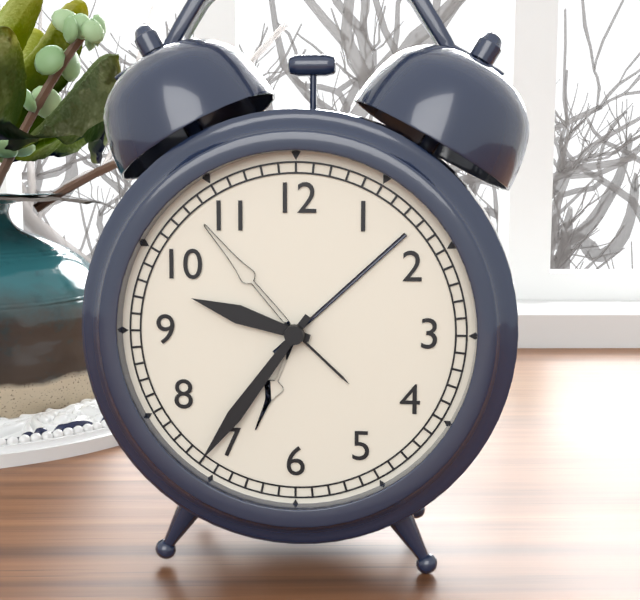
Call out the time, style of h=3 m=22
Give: h=9 m=36
